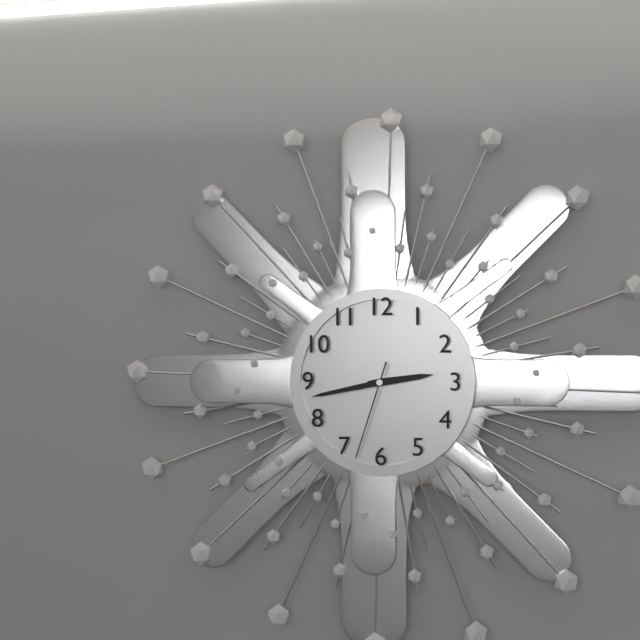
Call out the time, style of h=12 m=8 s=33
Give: h=2 m=43 s=33
